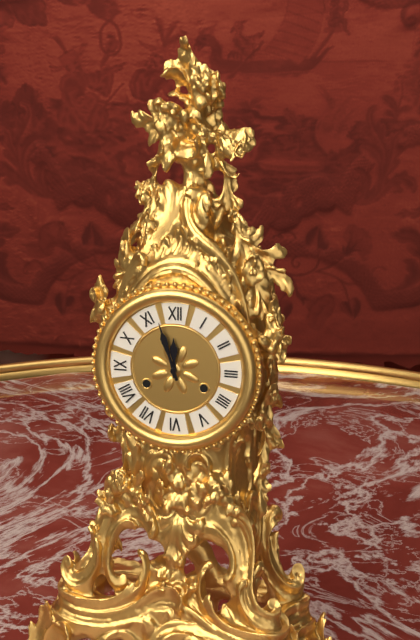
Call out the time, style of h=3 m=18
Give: h=11 m=57
